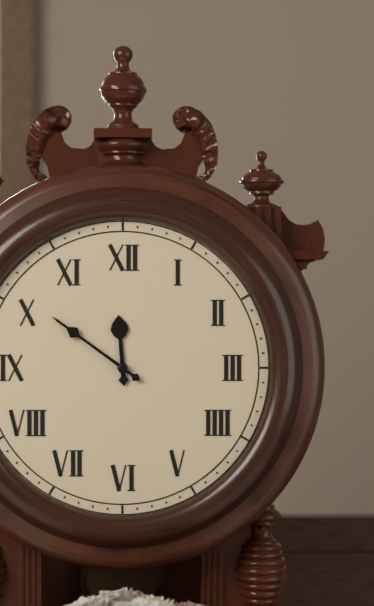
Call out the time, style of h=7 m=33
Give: h=11 m=51
